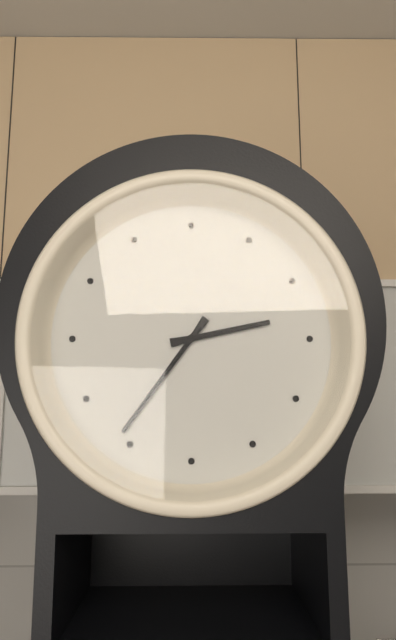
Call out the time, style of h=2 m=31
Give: h=2 m=36
